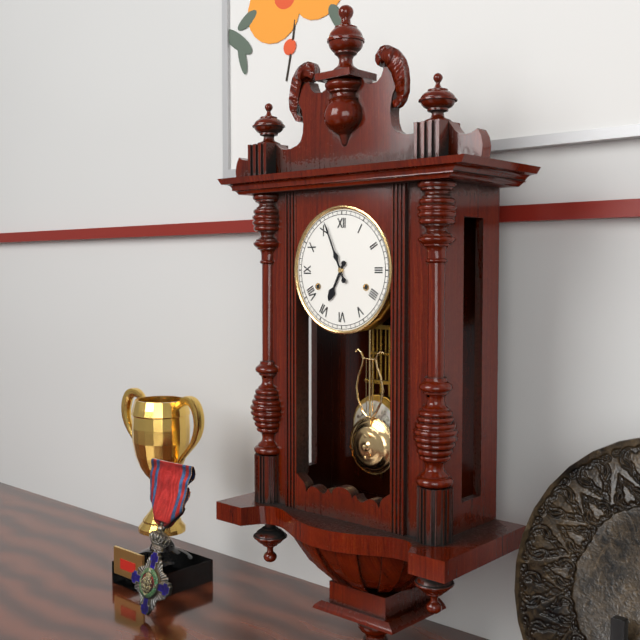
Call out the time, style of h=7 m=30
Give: h=6 m=56
